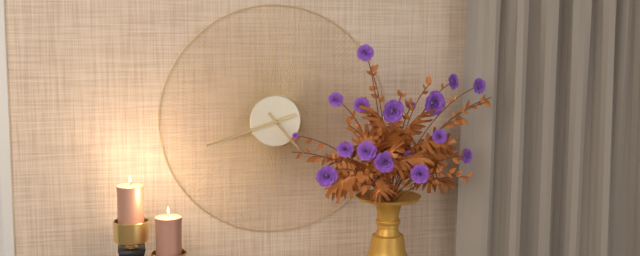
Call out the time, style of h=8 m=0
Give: h=4 m=42
